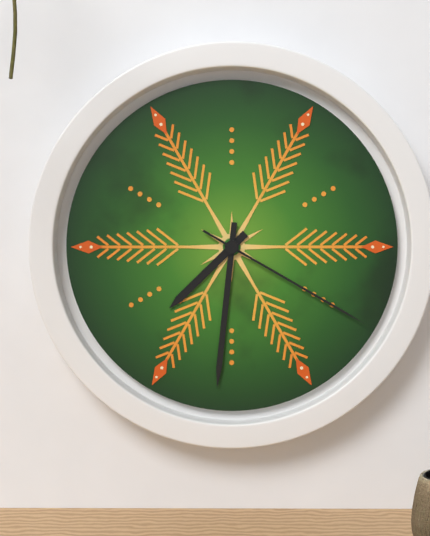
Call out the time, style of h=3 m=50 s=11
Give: h=7 m=31 s=20
